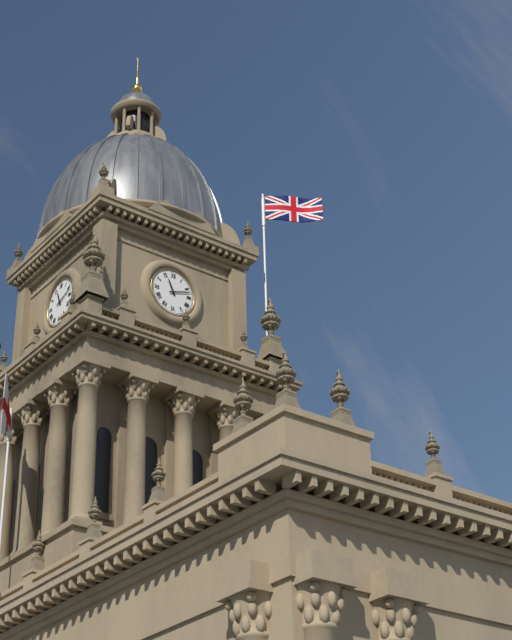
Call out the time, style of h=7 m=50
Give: h=11 m=12
